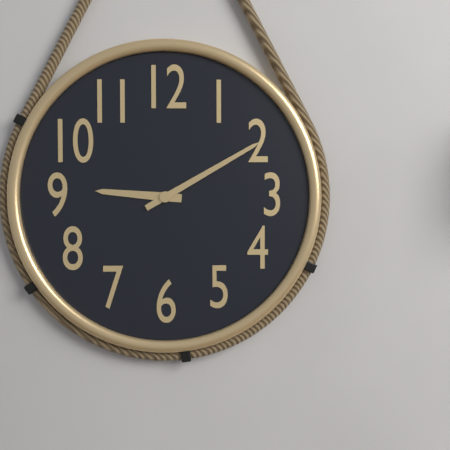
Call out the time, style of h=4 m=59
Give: h=9 m=10
